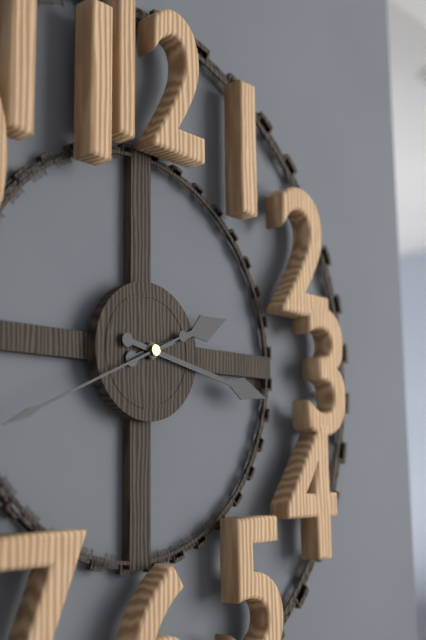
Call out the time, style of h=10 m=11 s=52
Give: h=2 m=17 s=41
